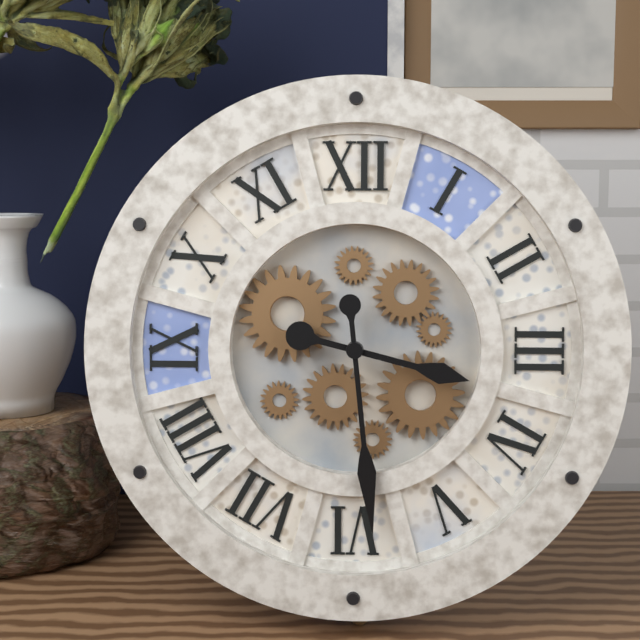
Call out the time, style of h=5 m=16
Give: h=3 m=29
